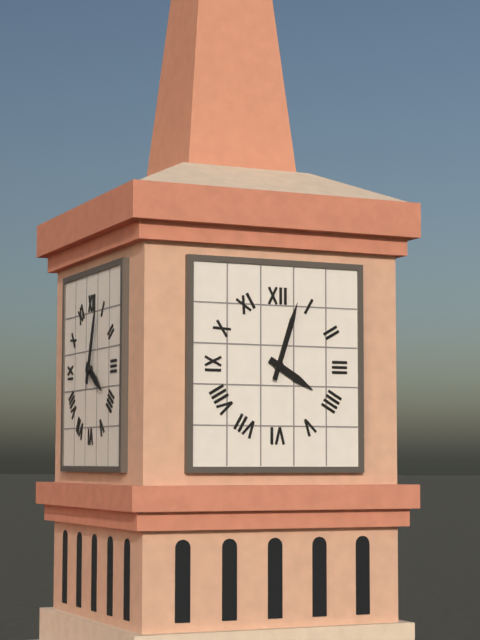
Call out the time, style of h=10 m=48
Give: h=4 m=3
